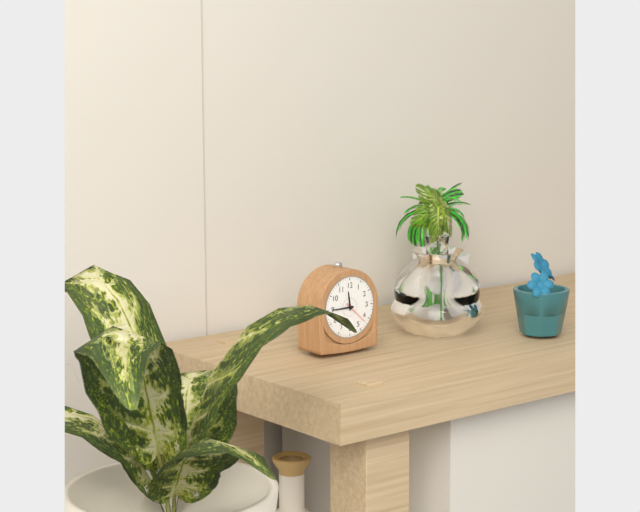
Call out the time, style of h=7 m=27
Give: h=11 m=45
